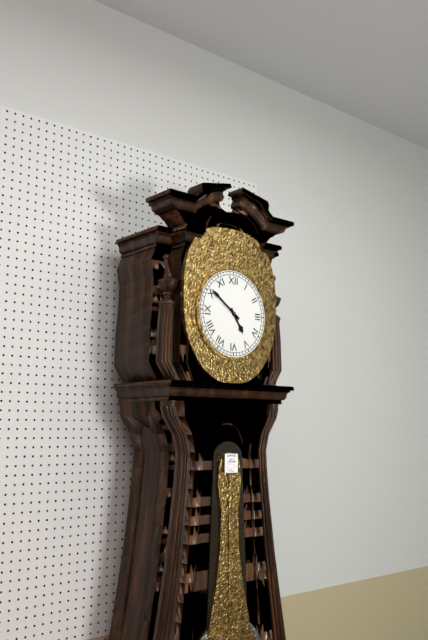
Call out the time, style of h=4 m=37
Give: h=4 m=51
